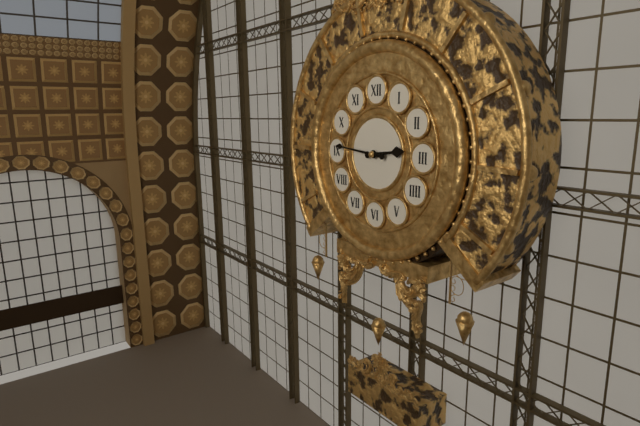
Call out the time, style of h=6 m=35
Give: h=2 m=46
